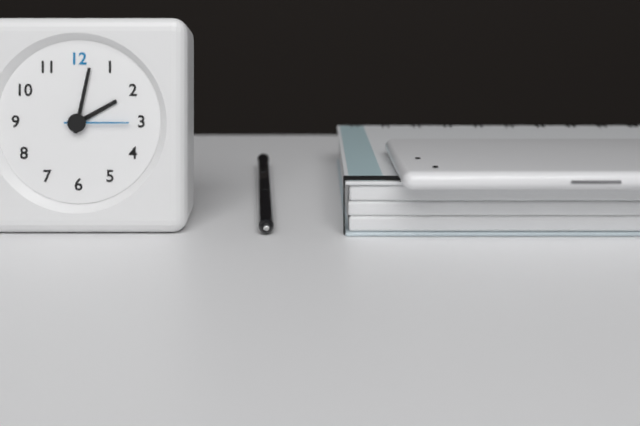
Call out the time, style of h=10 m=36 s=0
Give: h=2 m=2 s=15
